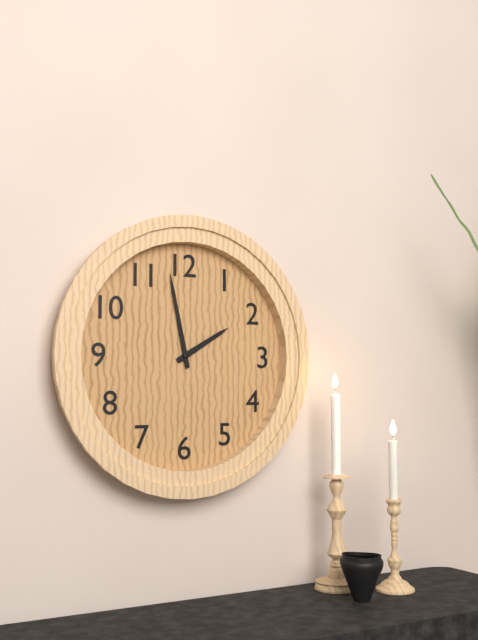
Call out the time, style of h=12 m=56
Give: h=1 m=58
